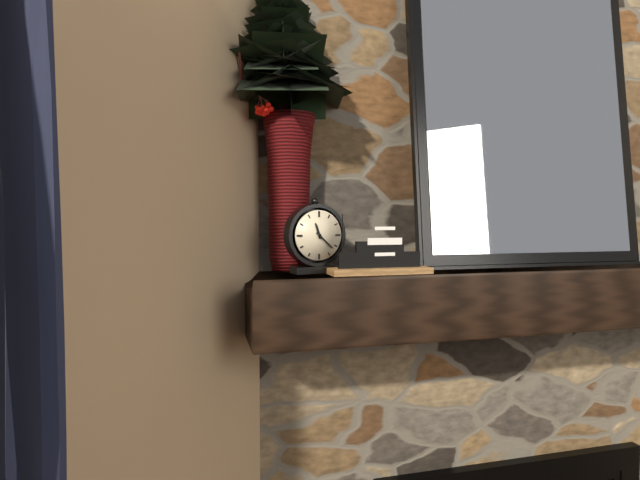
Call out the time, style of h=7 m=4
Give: h=11 m=22
